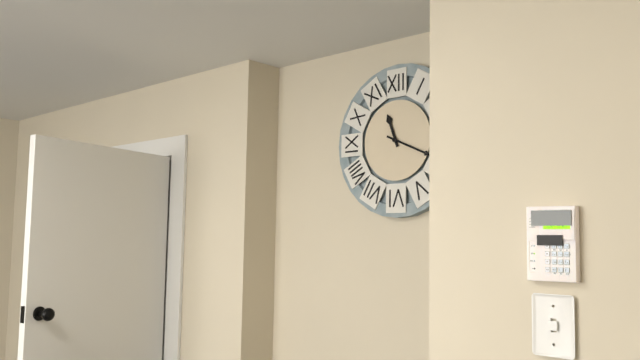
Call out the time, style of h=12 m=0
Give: h=11 m=19
